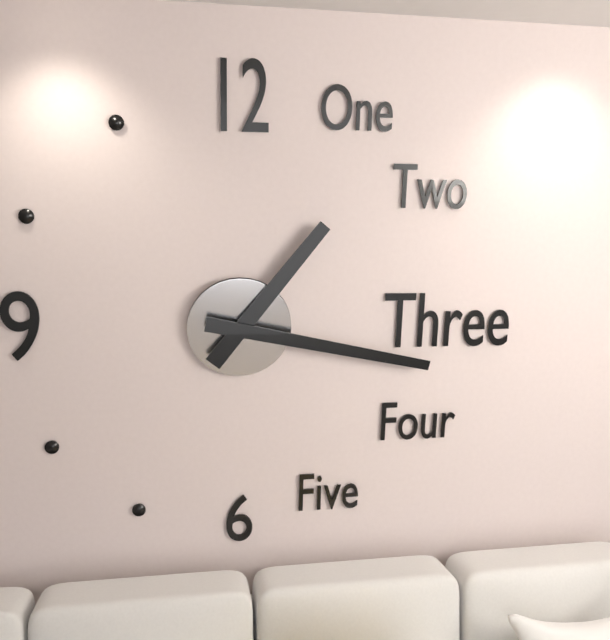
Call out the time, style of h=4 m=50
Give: h=1 m=17
